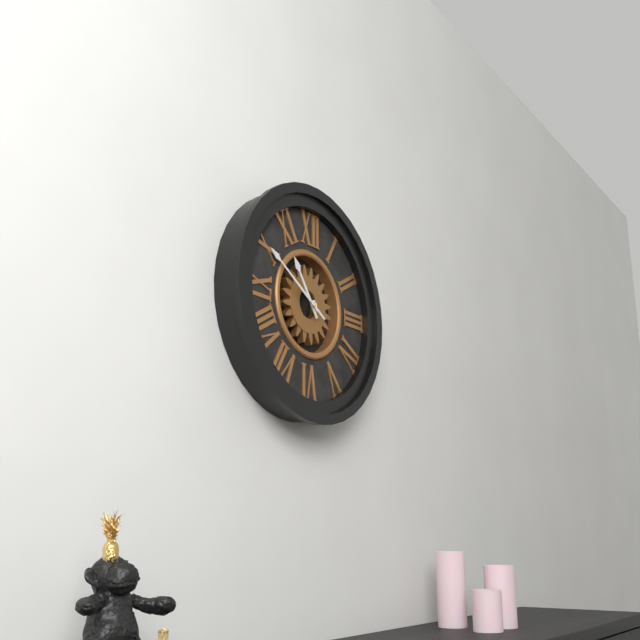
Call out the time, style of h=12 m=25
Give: h=10 m=50
